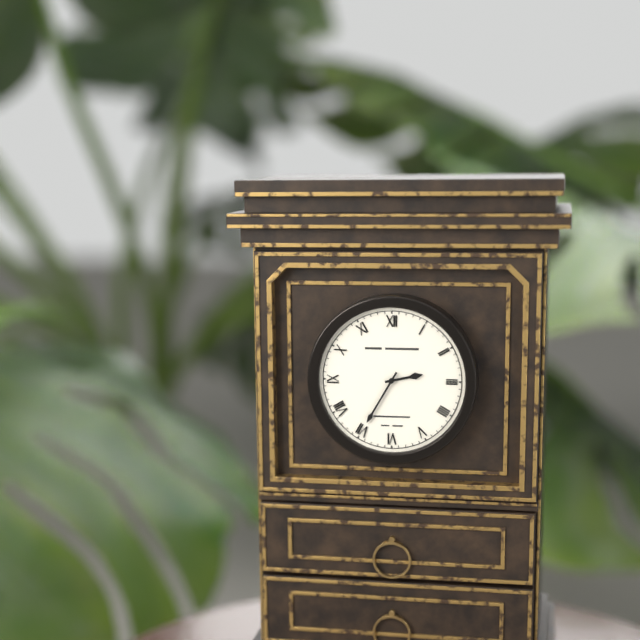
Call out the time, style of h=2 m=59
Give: h=2 m=35
